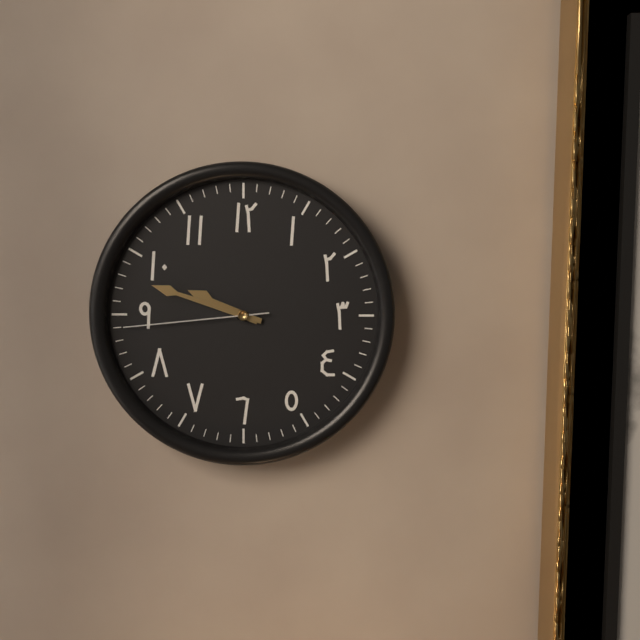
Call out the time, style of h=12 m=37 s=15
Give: h=9 m=48 s=44
